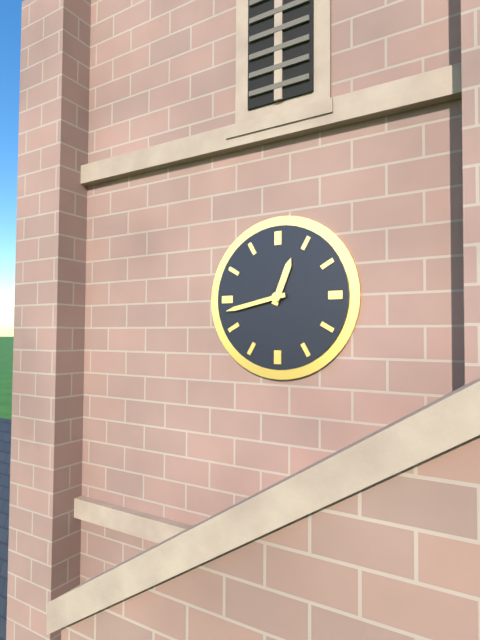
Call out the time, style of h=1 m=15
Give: h=12 m=43
